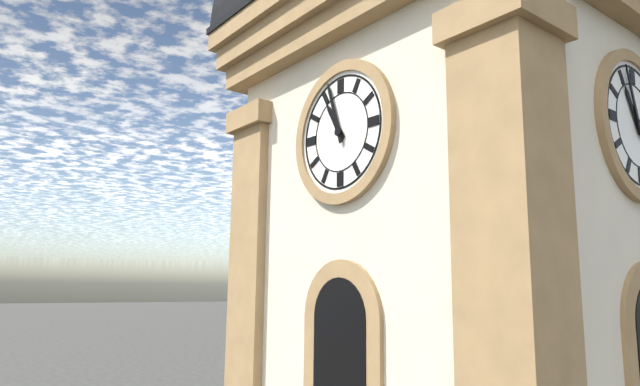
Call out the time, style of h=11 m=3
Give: h=10 m=57
